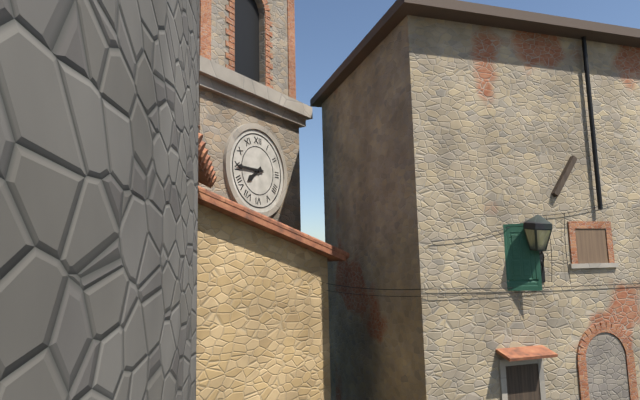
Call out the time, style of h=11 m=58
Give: h=7 m=45
